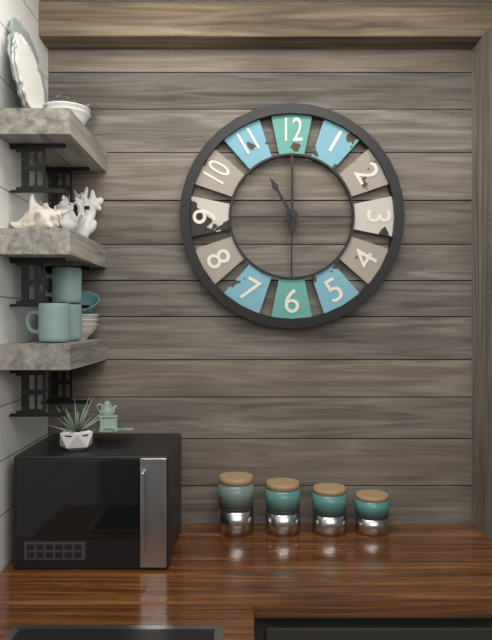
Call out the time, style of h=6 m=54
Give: h=11 m=0
